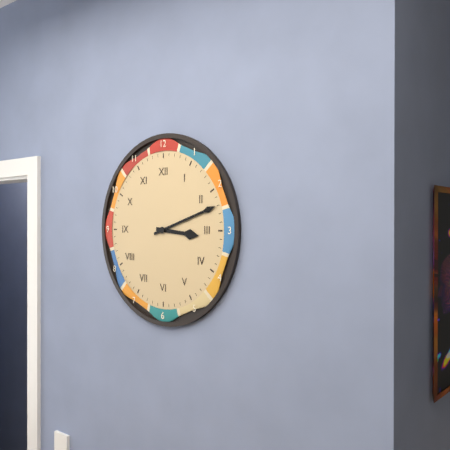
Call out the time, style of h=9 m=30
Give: h=3 m=12
